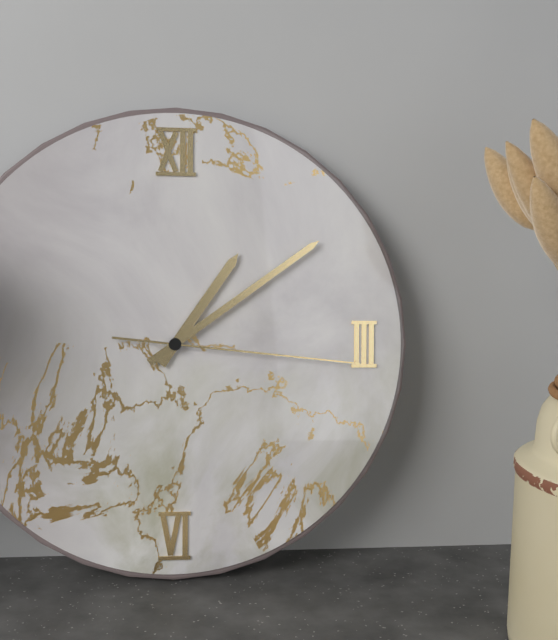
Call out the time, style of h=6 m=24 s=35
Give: h=1 m=9 s=16
